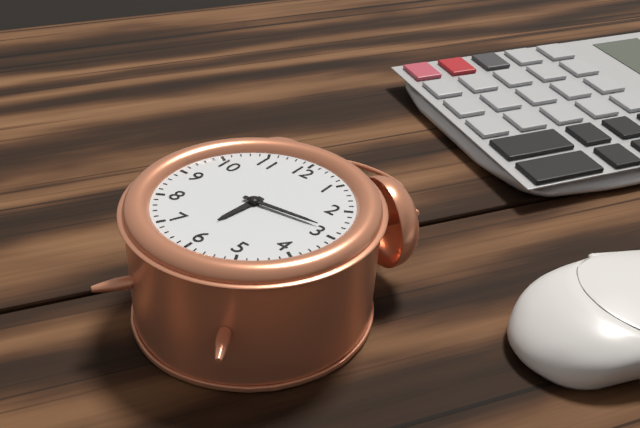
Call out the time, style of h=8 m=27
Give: h=6 m=14
